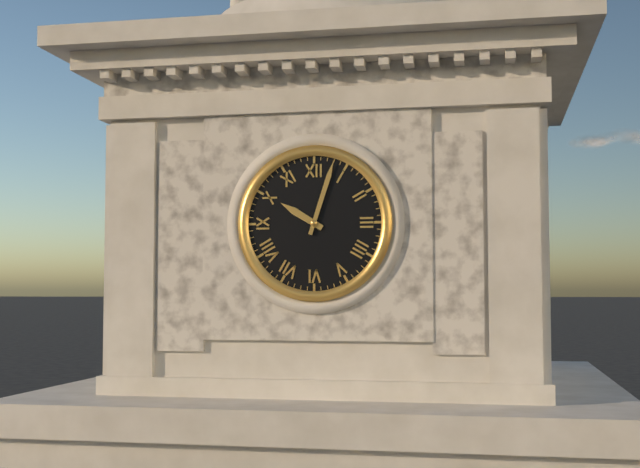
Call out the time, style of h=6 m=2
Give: h=10 m=3
